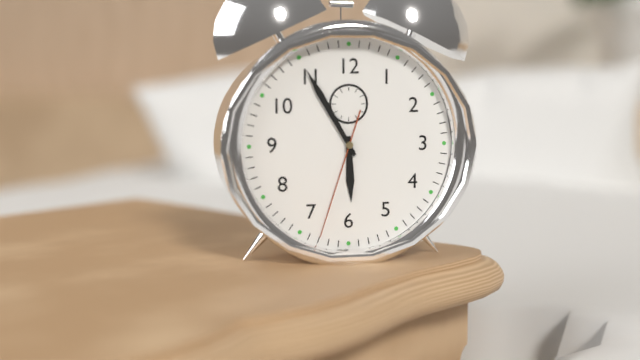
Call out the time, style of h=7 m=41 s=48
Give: h=5 m=55 s=33
